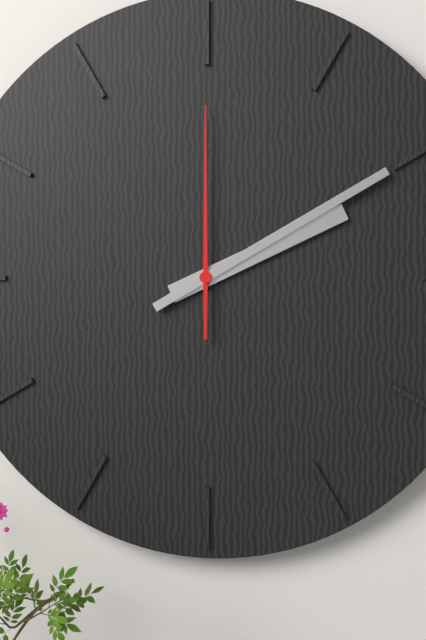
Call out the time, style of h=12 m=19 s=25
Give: h=2 m=10 s=0
